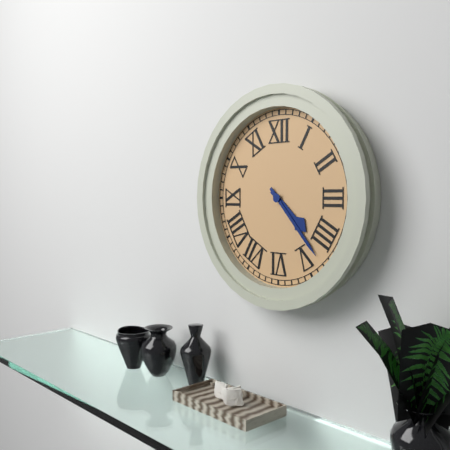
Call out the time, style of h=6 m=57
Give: h=4 m=23
